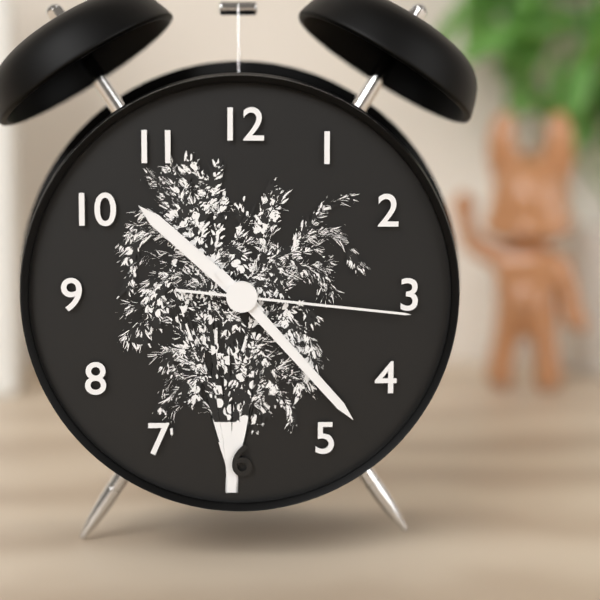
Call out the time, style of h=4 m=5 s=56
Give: h=10 m=23 s=16
